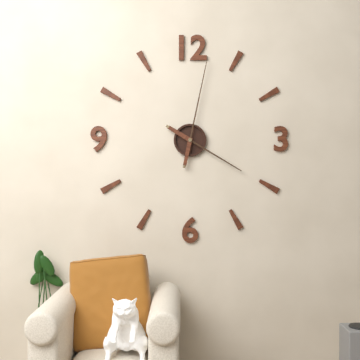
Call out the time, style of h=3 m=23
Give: h=4 m=2
